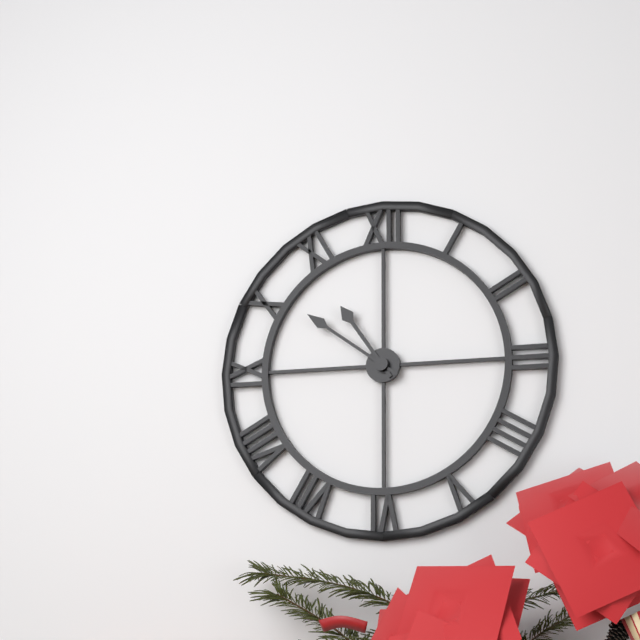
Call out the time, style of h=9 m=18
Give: h=10 m=51
